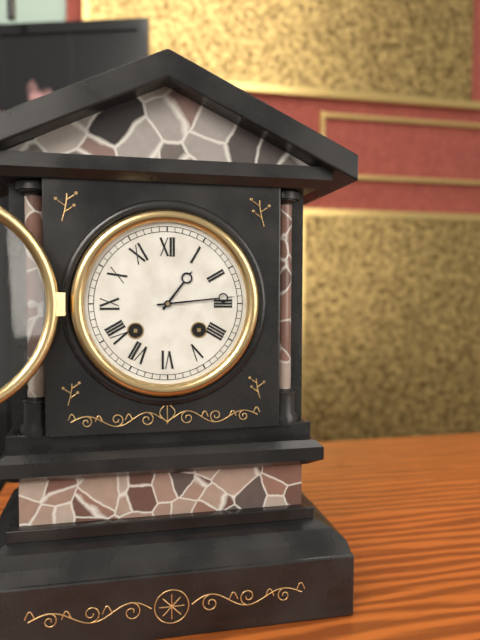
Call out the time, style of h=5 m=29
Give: h=1 m=14
